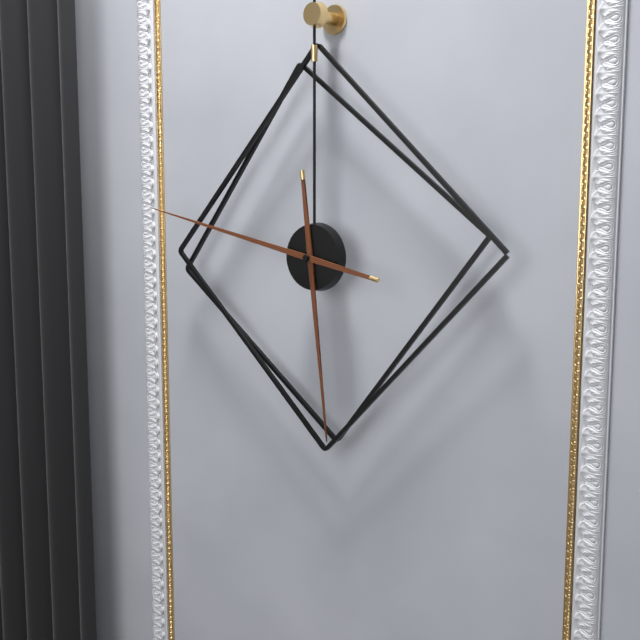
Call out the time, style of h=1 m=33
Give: h=5 m=47
